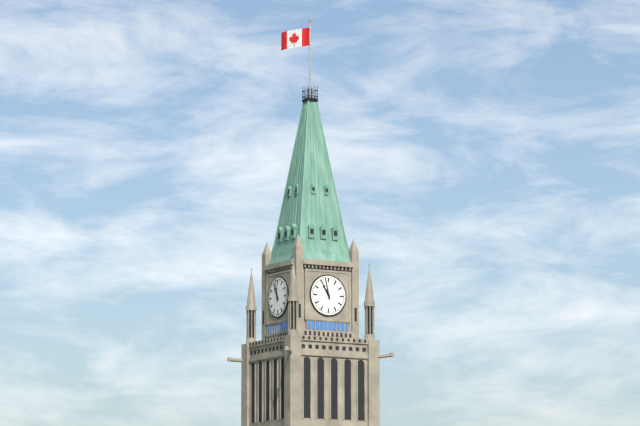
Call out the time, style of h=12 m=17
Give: h=10 m=58
